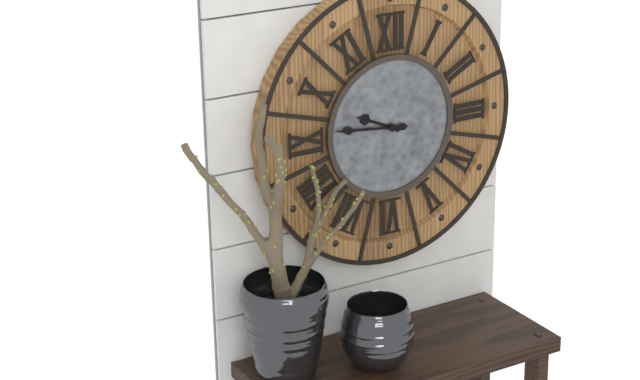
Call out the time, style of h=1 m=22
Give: h=9 m=46
